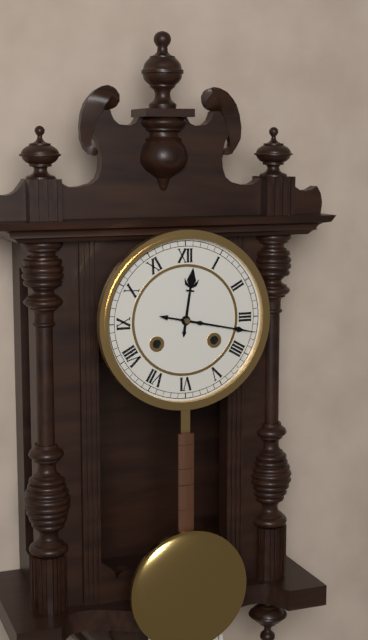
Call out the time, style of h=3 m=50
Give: h=12 m=17
